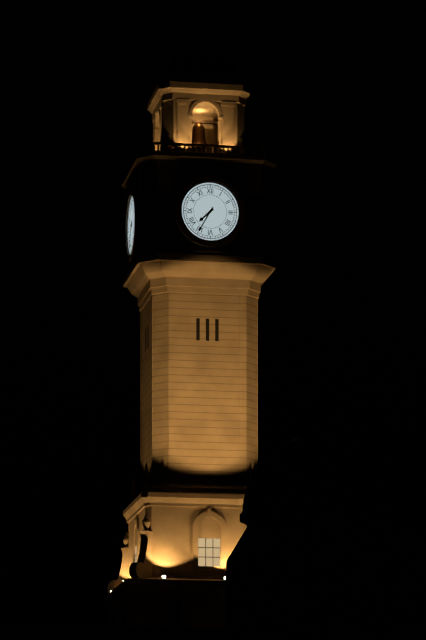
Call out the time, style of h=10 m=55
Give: h=7 m=35
